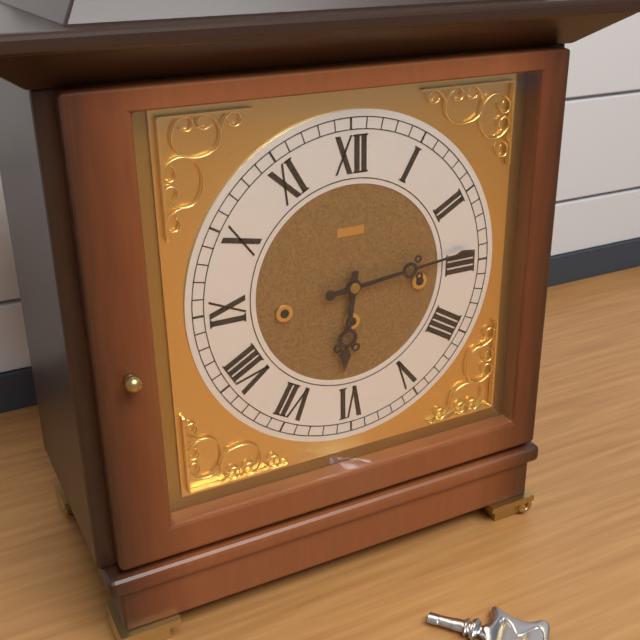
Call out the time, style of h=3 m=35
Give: h=6 m=14
